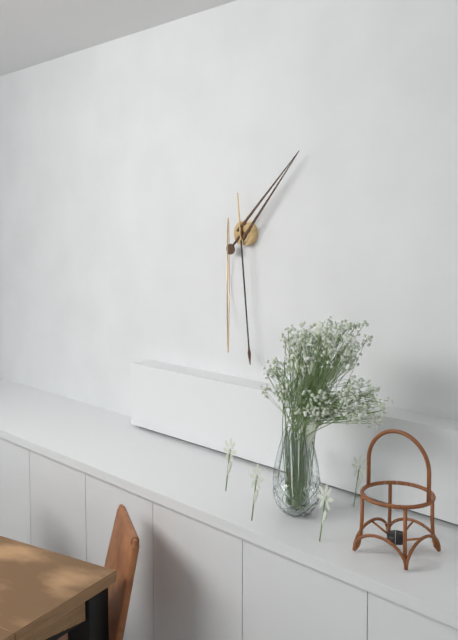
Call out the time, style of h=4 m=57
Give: h=1 m=29
